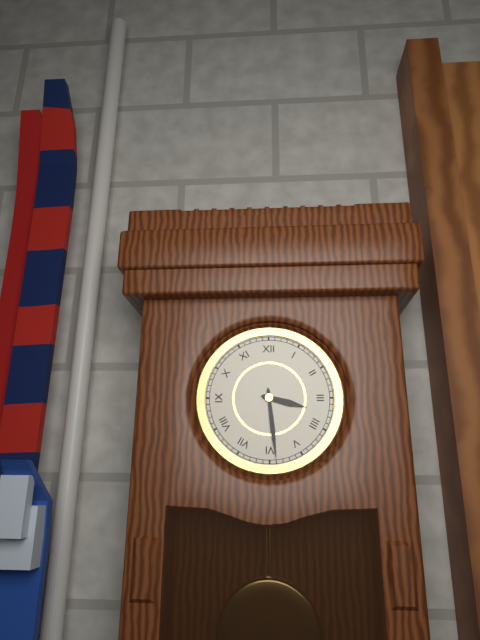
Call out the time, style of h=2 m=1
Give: h=3 m=29
